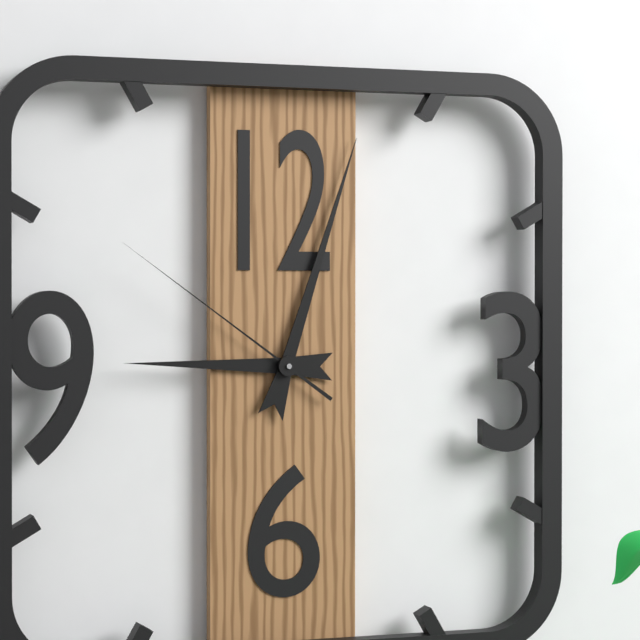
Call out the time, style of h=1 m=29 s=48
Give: h=9 m=3 s=51
